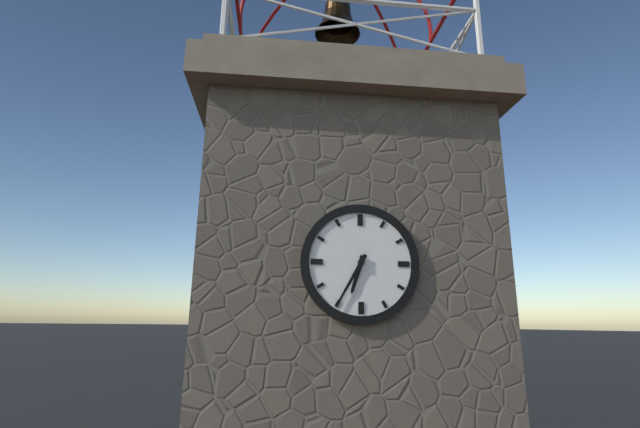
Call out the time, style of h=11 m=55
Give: h=6 m=35
